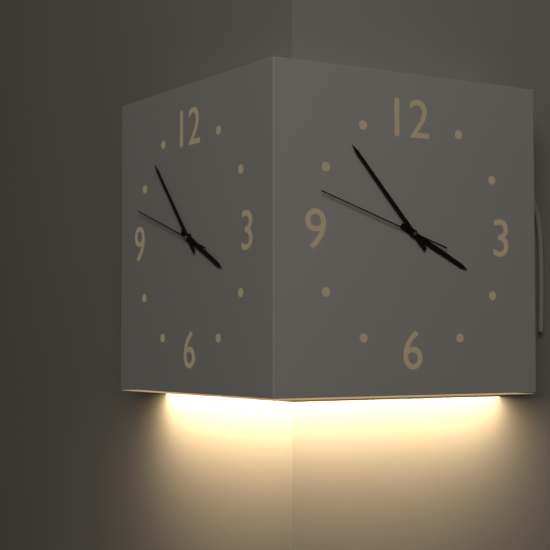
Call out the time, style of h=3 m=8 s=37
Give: h=3 m=53 s=48
